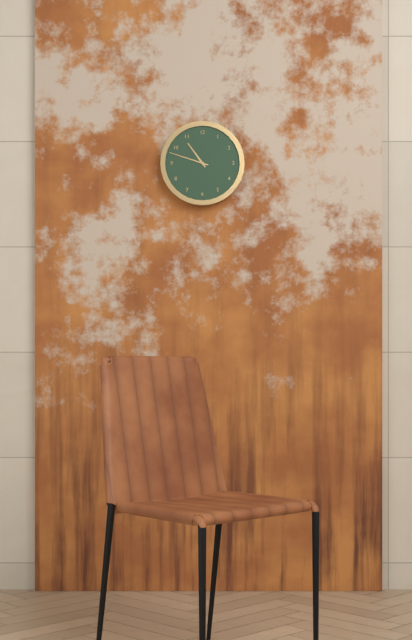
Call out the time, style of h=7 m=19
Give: h=10 m=48
